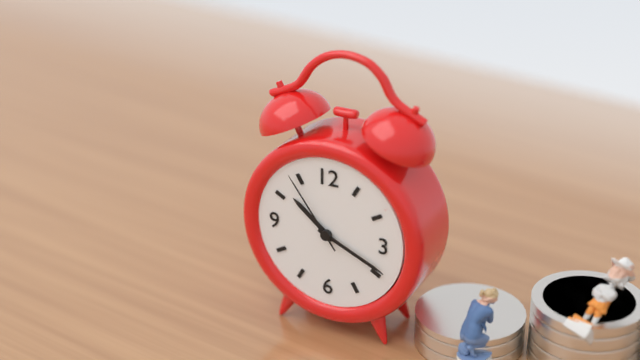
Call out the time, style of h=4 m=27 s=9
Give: h=10 m=19 s=54
